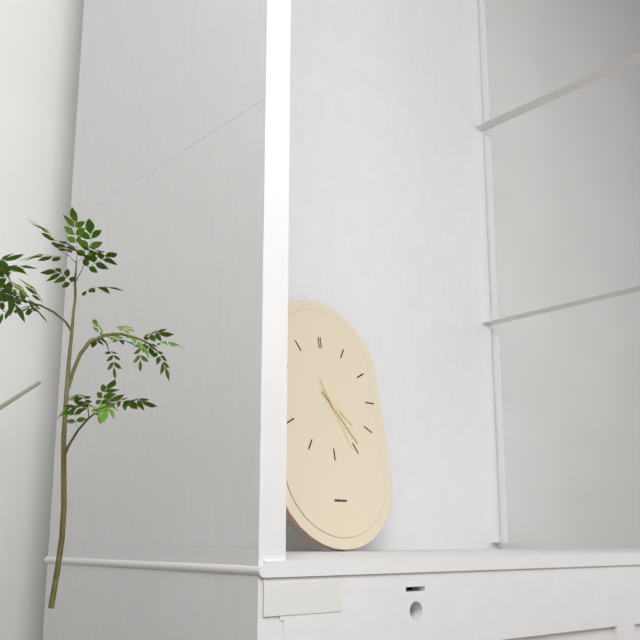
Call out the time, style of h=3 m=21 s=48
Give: h=4 m=24 s=26
